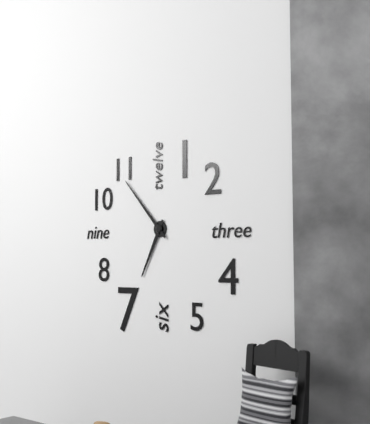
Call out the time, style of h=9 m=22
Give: h=6 m=53
